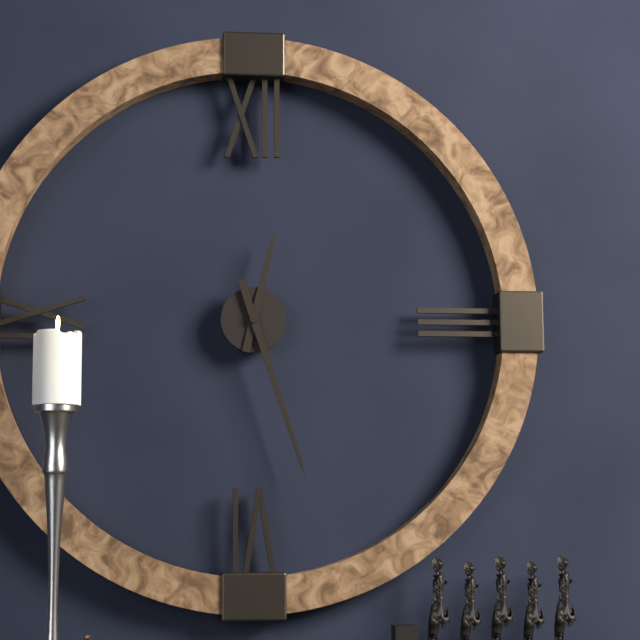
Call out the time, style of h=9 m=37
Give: h=12 m=27
